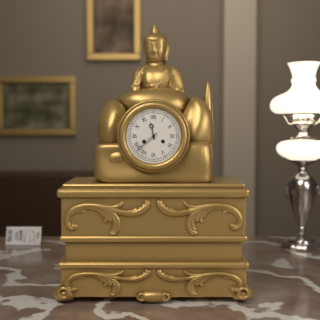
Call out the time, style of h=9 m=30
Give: h=11 m=38
